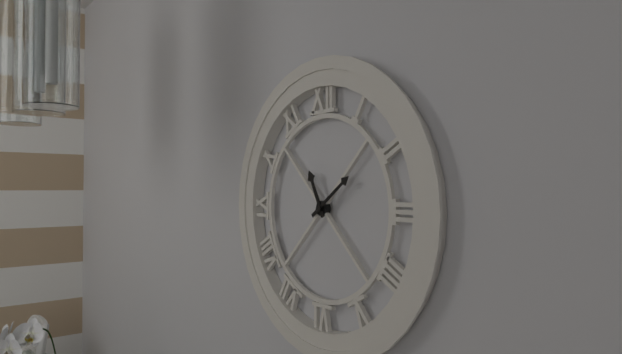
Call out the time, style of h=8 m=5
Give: h=11 m=9
